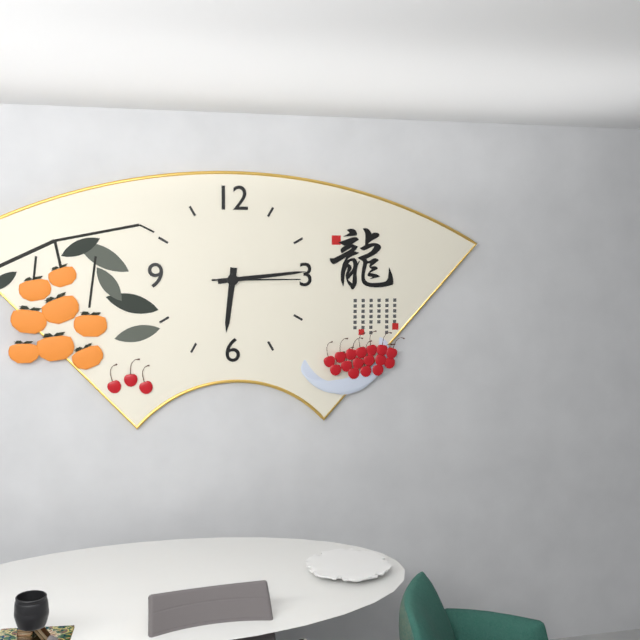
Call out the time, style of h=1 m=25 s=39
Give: h=6 m=14 s=15
